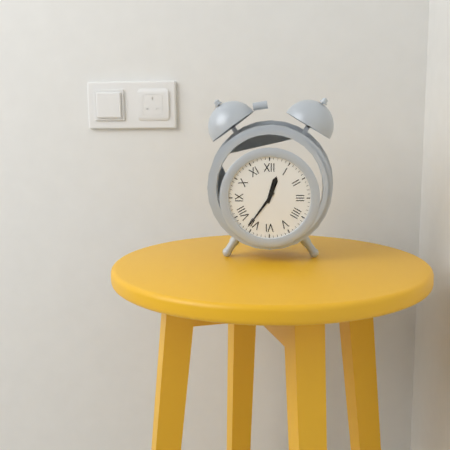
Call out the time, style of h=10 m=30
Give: h=12 m=36
